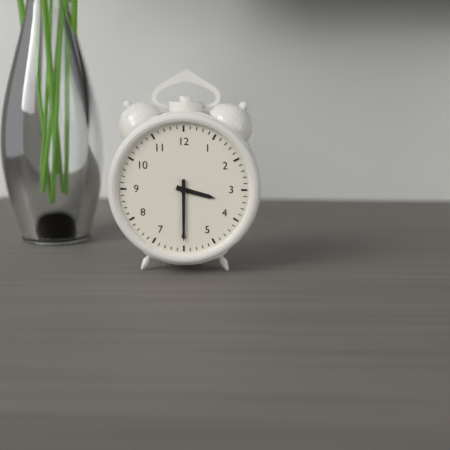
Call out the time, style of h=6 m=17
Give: h=3 m=30
